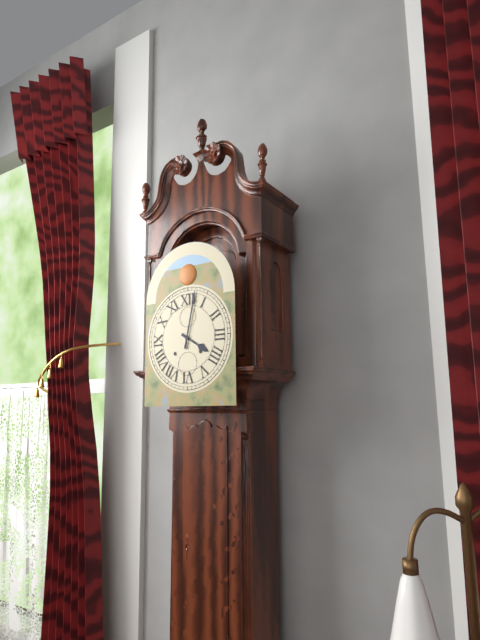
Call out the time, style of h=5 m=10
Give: h=4 m=2
